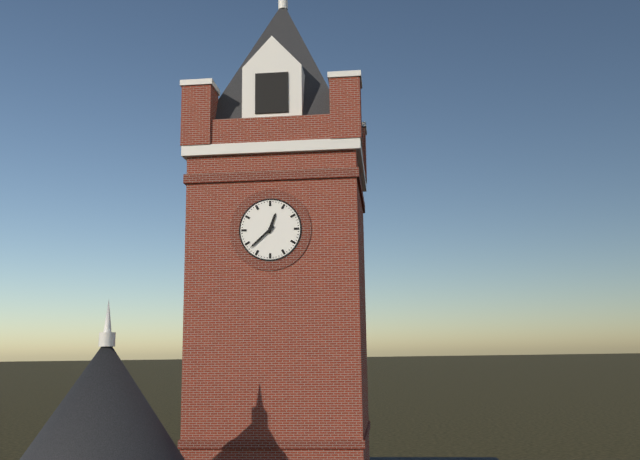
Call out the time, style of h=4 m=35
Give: h=12 m=38
